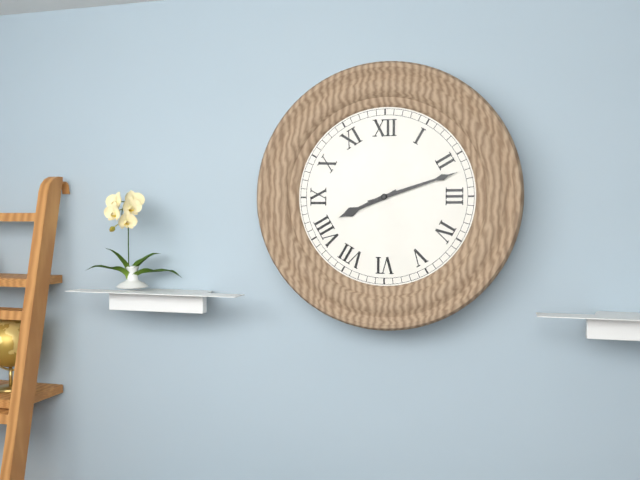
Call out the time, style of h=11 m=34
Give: h=8 m=12
